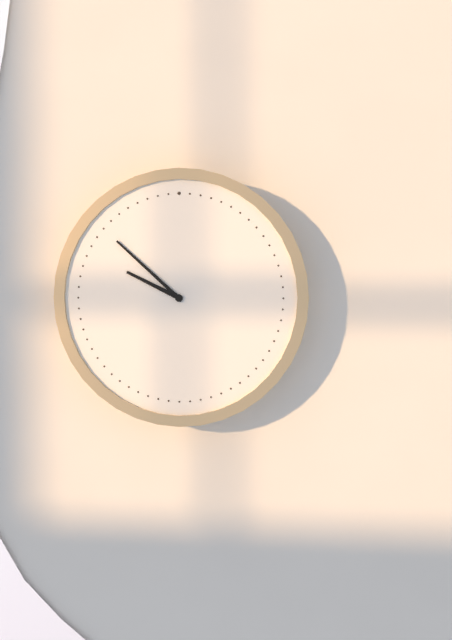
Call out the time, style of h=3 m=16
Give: h=9 m=52
